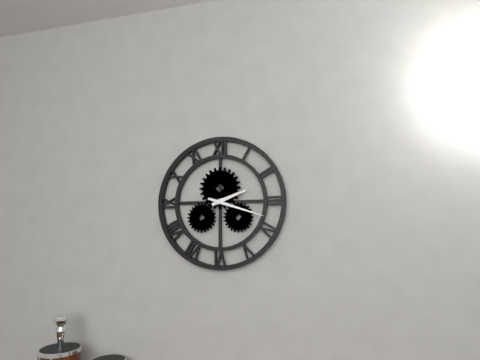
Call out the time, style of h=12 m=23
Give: h=2 m=18
